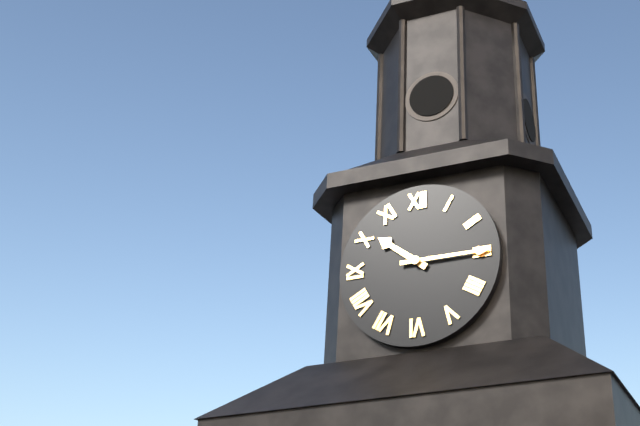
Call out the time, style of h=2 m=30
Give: h=10 m=15
